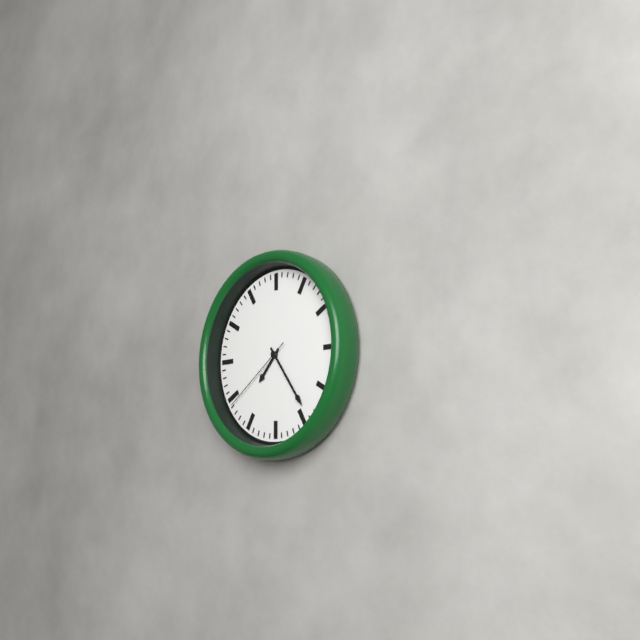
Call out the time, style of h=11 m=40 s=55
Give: h=7 m=24 s=39
